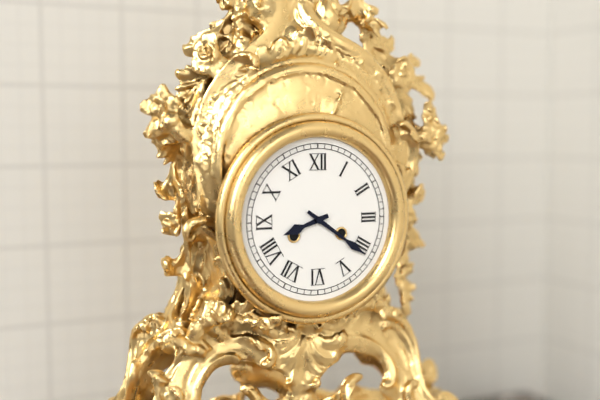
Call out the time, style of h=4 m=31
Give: h=8 m=21
